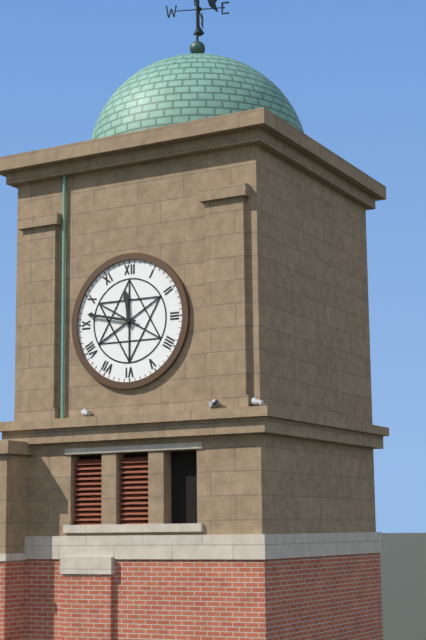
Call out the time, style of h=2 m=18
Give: h=11 m=47
